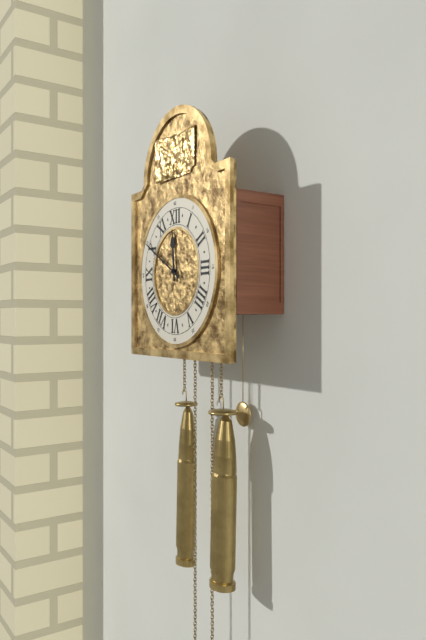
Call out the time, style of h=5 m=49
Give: h=11 m=50
